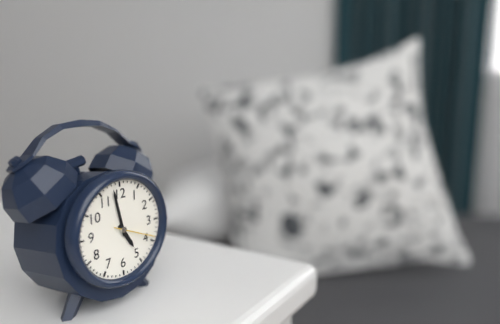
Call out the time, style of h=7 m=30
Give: h=4 m=58
